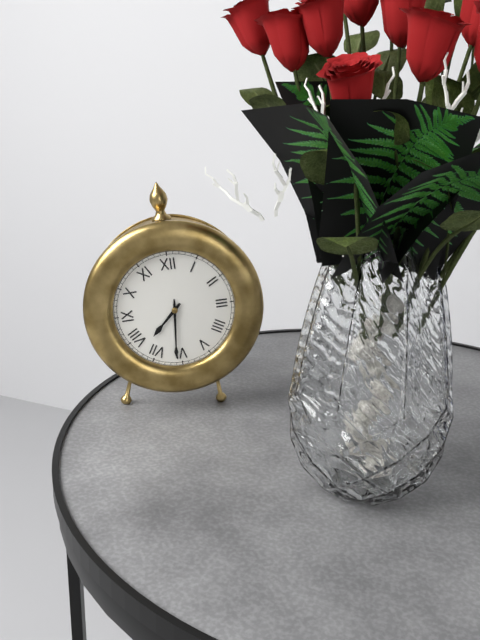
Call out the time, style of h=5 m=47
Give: h=7 m=31
